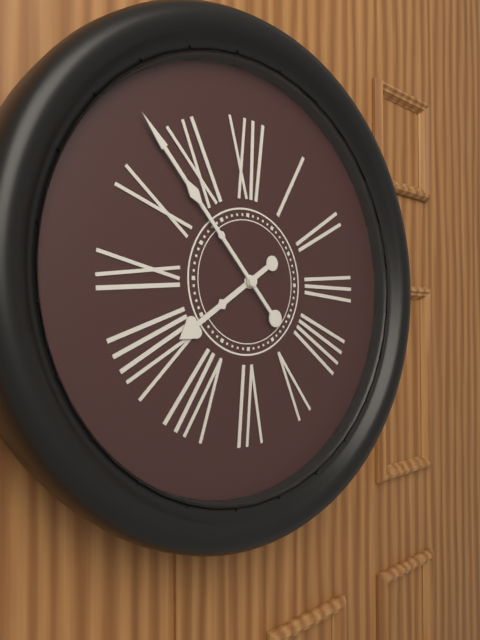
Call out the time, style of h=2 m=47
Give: h=7 m=53
